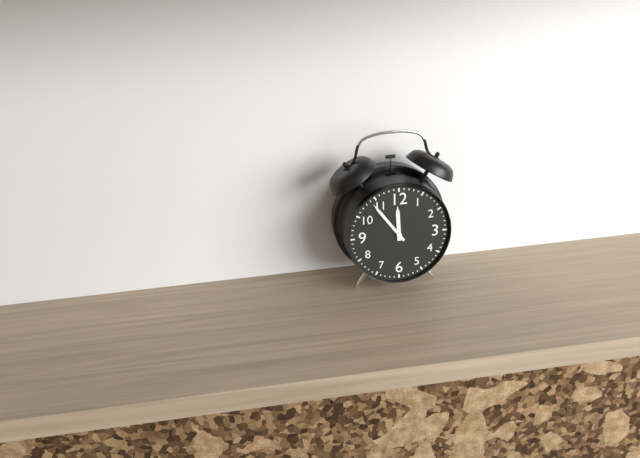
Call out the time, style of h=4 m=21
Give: h=11 m=54
